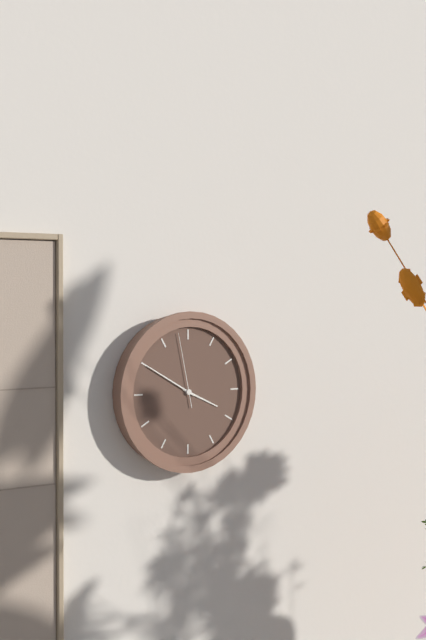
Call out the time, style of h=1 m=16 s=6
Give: h=3 m=50 s=58
